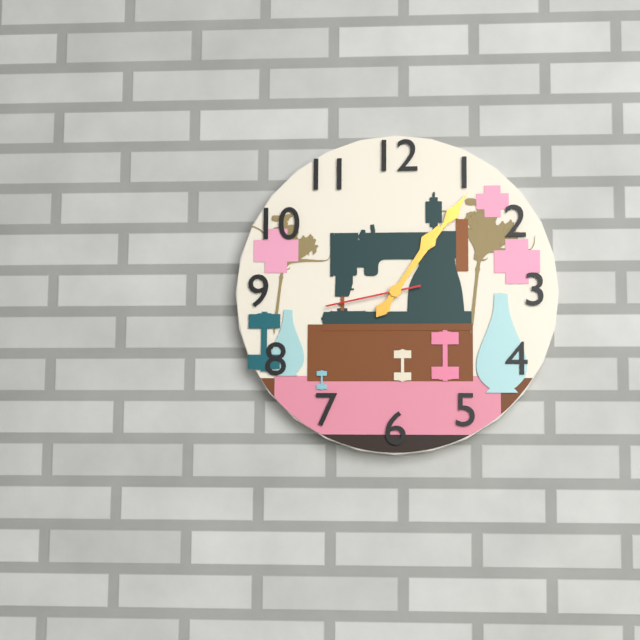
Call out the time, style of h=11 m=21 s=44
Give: h=1 m=6 s=43
